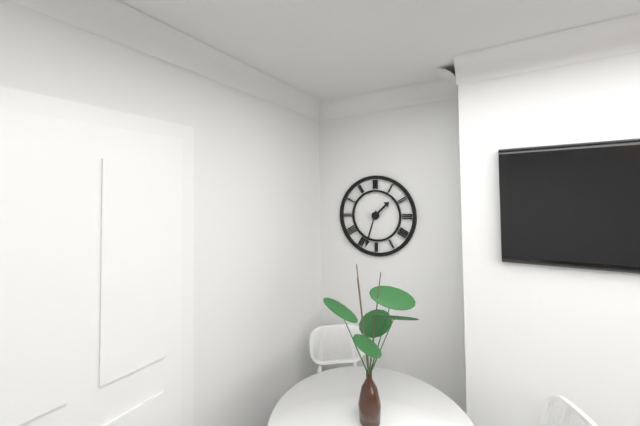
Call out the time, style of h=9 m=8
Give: h=1 m=33
